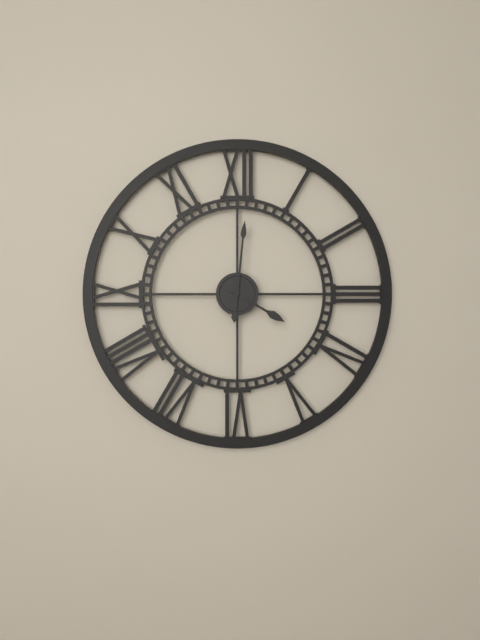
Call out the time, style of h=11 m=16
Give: h=4 m=1
